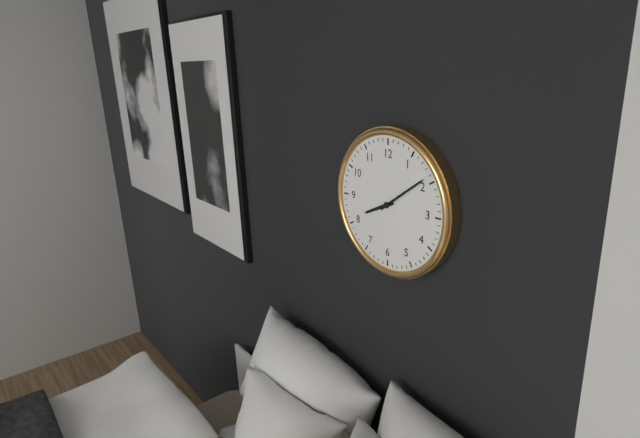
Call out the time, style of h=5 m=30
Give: h=8 m=9
